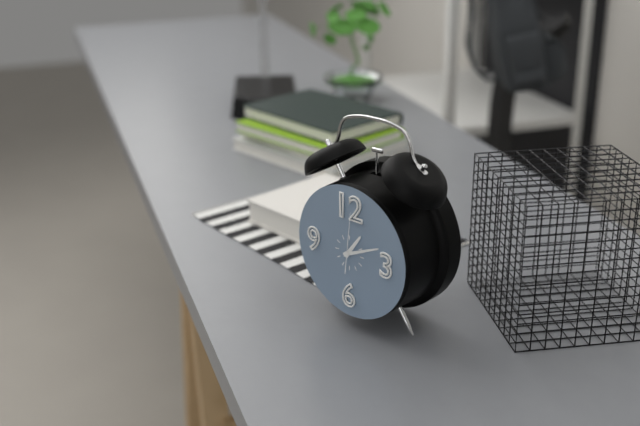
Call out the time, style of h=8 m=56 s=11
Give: h=1 m=11 s=1
